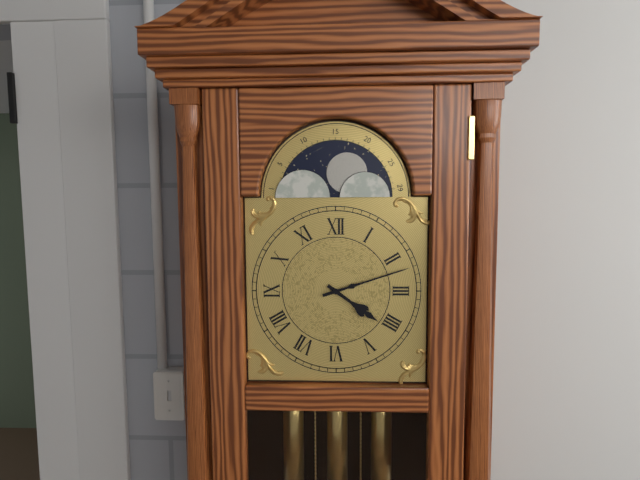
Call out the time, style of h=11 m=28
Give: h=4 m=12
